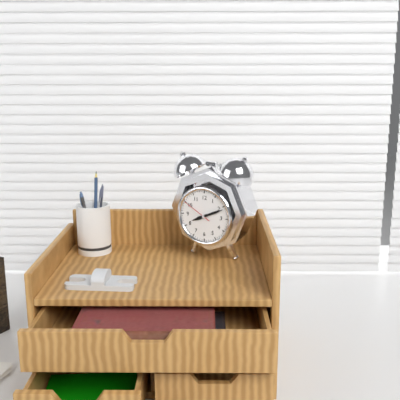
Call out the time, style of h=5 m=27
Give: h=8 m=11
